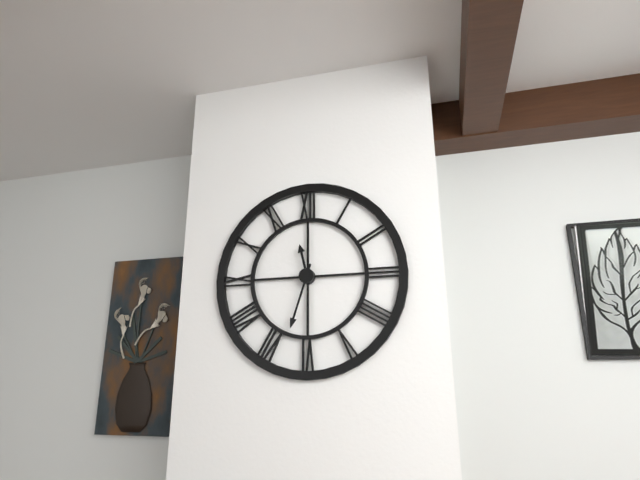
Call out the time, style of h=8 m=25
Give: h=11 m=33
